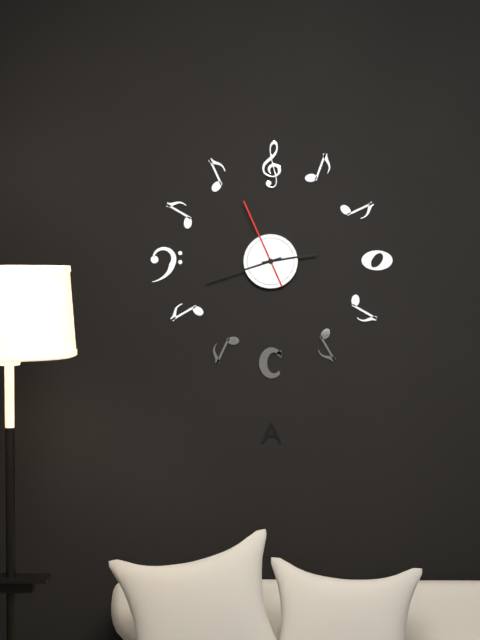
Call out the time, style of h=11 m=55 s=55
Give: h=2 m=42 s=56
